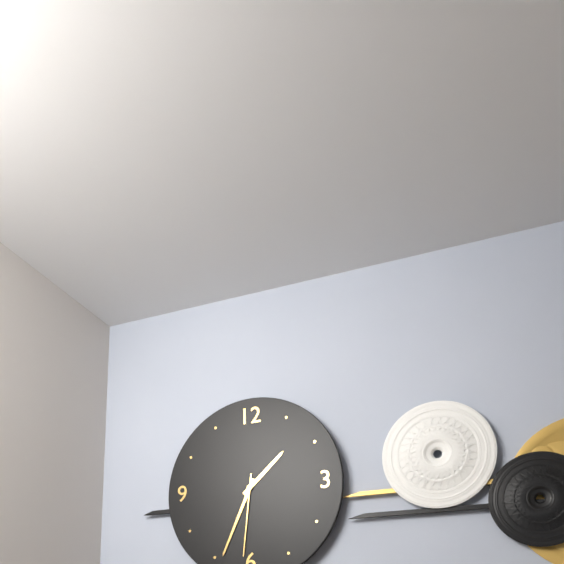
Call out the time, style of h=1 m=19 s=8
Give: h=1 m=34 s=31
